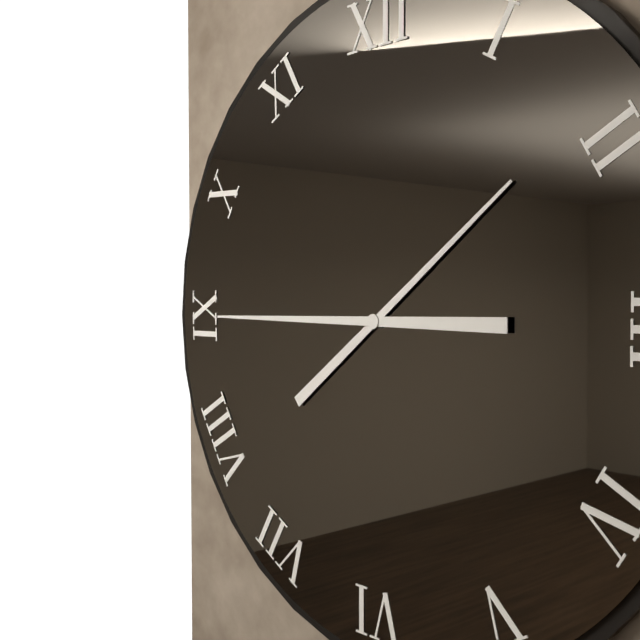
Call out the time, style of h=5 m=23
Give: h=1 m=45
